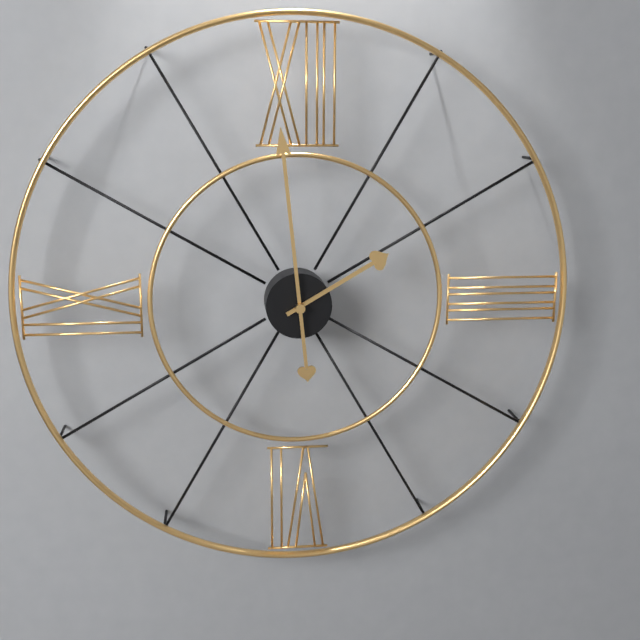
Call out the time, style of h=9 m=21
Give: h=1 m=59
